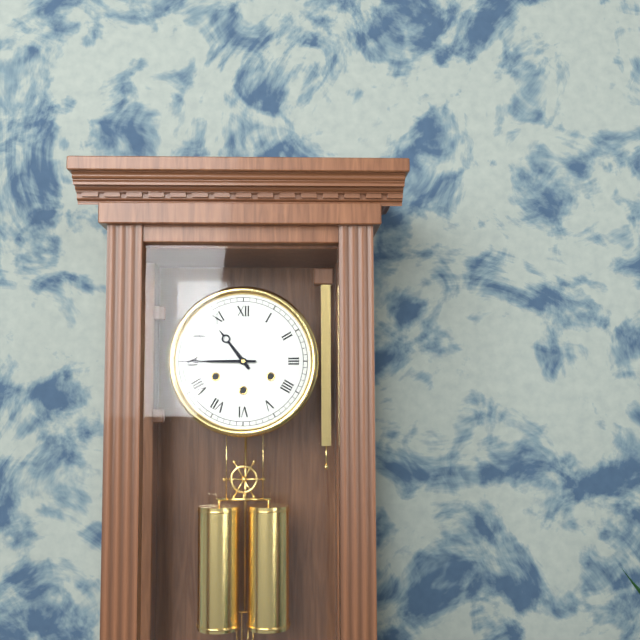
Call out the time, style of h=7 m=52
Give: h=10 m=45
